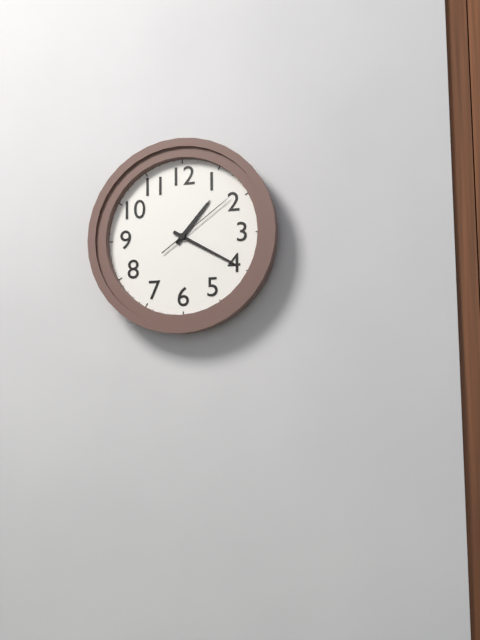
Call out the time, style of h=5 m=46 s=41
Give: h=1 m=20 s=9
